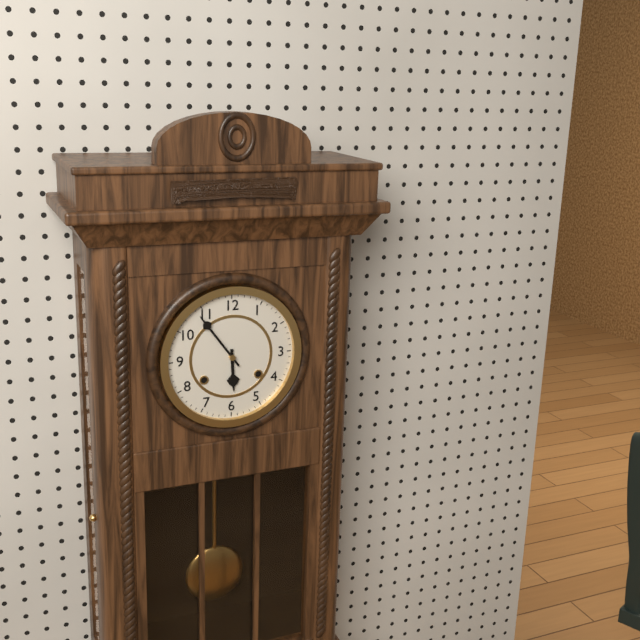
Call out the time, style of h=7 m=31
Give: h=5 m=54
